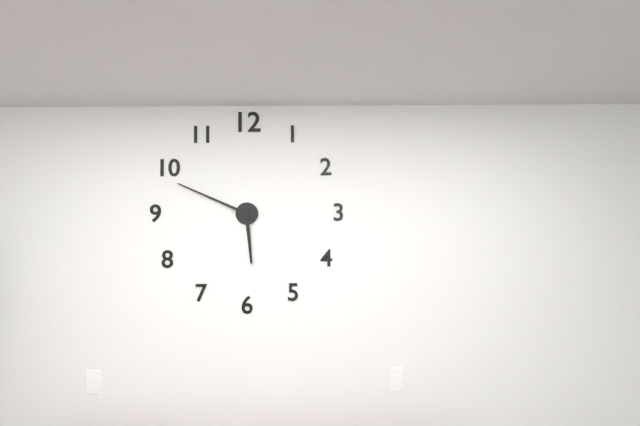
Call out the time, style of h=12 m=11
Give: h=5 m=49
